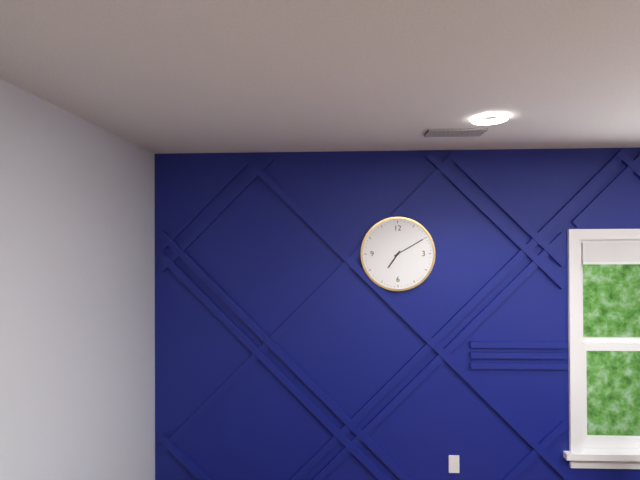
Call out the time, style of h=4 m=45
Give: h=7 m=10
